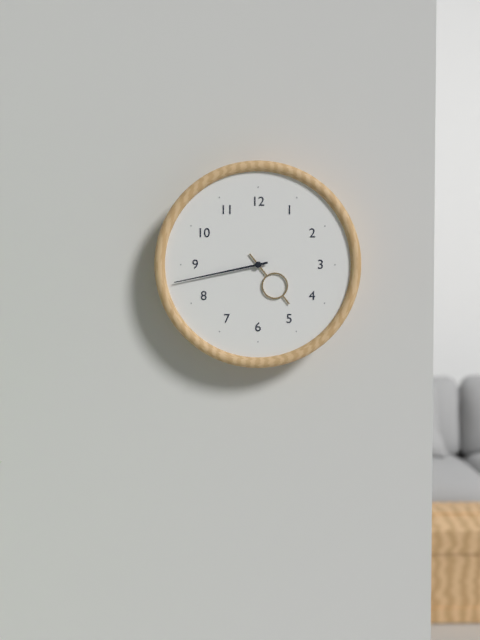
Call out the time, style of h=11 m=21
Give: h=4 m=43
